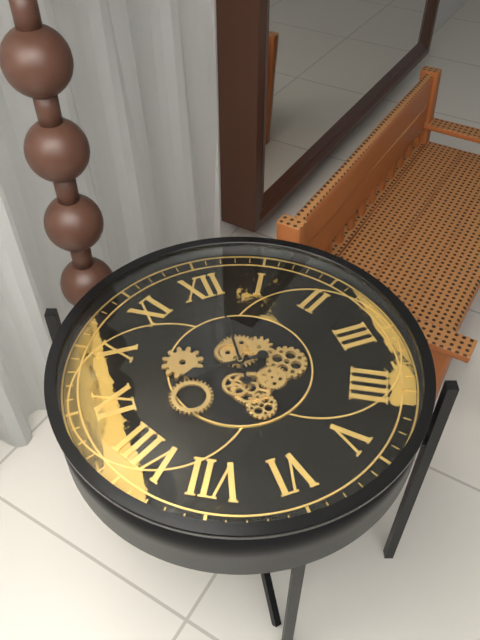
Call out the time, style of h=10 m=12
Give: h=9 m=1
